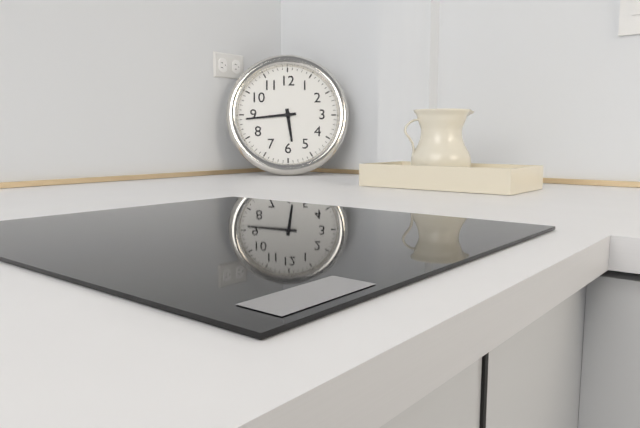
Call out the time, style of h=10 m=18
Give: h=5 m=44
